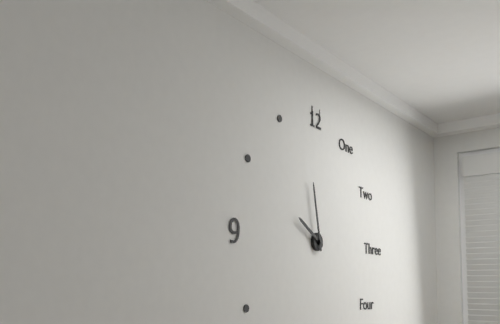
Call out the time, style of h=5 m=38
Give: h=9 m=58
